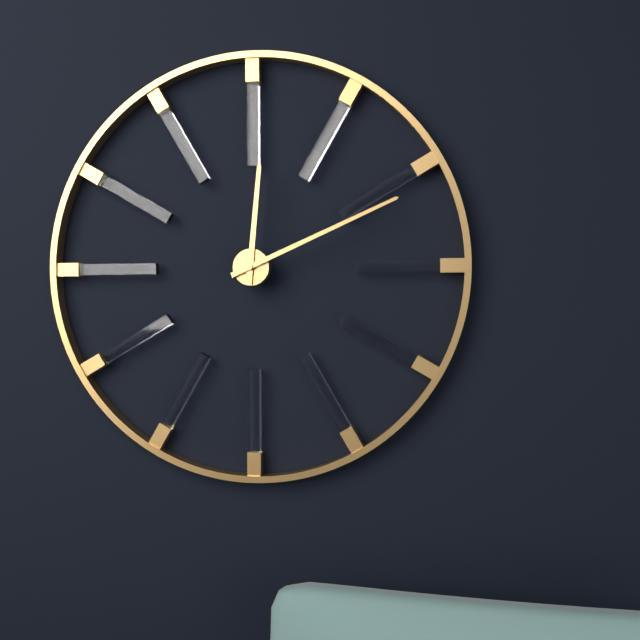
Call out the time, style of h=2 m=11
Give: h=12 m=11
